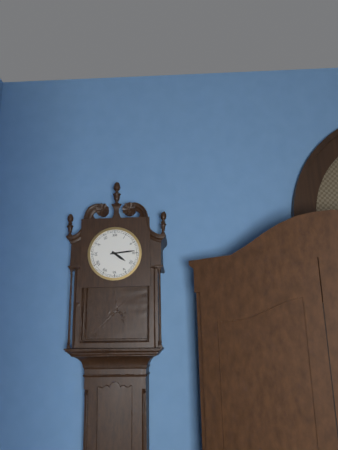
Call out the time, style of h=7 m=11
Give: h=4 m=14
